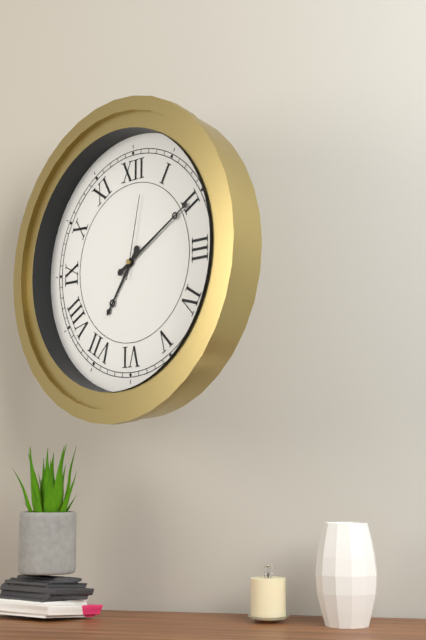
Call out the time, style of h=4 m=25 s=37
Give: h=7 m=10 s=2
